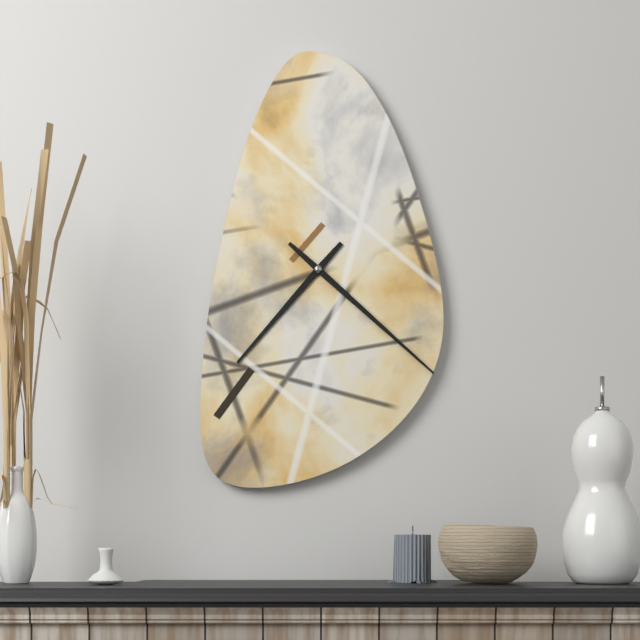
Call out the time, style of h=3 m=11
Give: h=7 m=22
